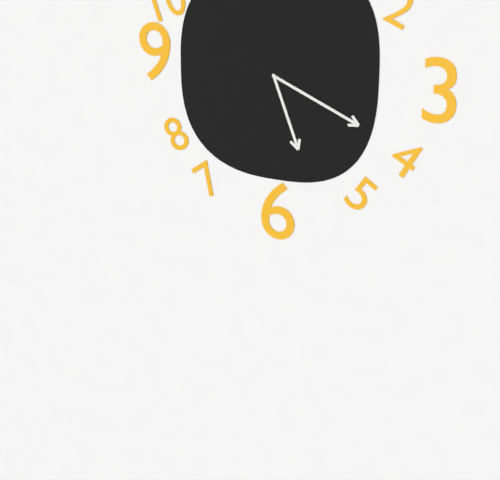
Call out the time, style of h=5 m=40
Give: h=5 m=19
